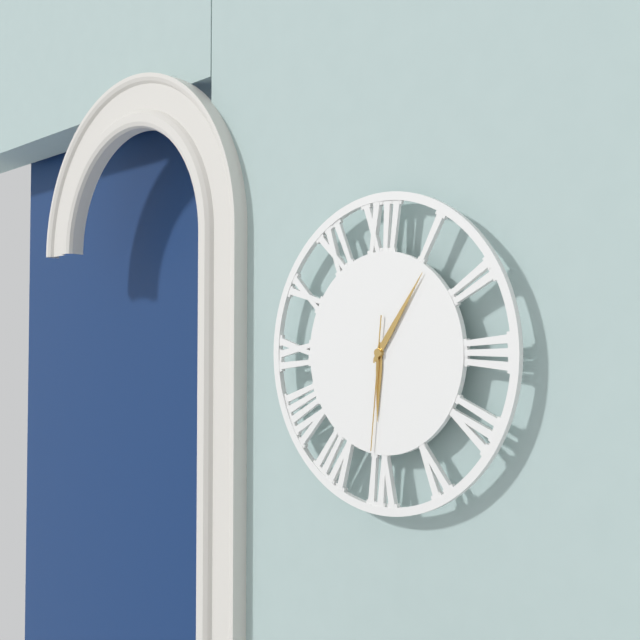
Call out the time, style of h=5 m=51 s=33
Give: h=6 m=6 s=31
